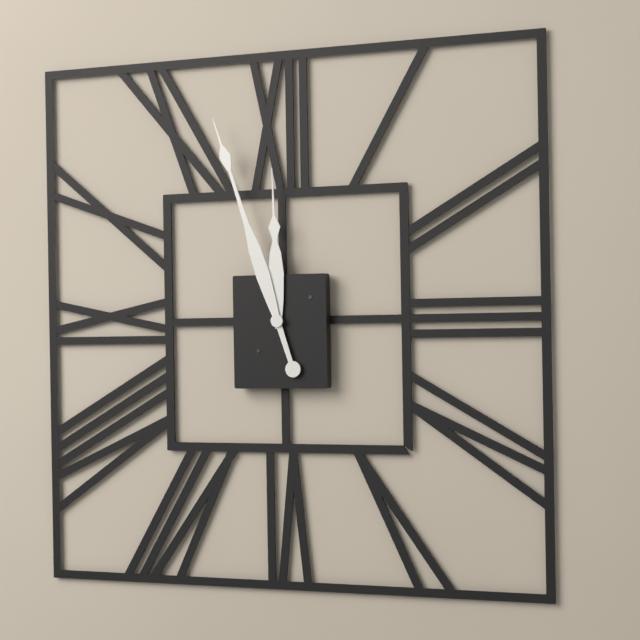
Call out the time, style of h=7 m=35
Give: h=11 m=57
